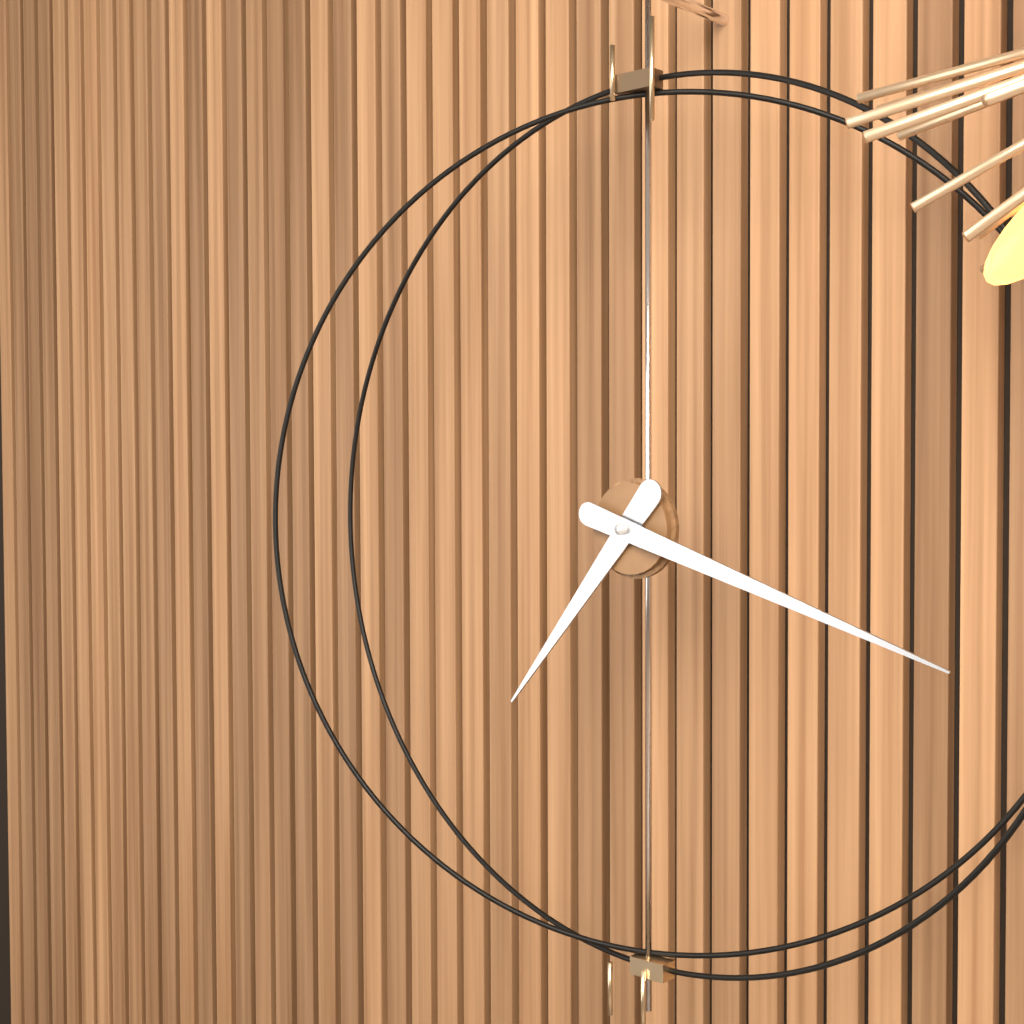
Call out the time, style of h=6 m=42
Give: h=7 m=18
